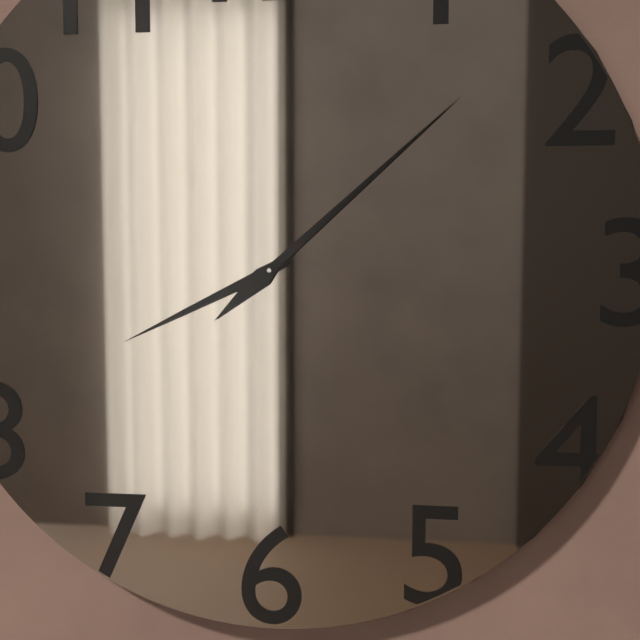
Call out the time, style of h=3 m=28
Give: h=8 m=8
